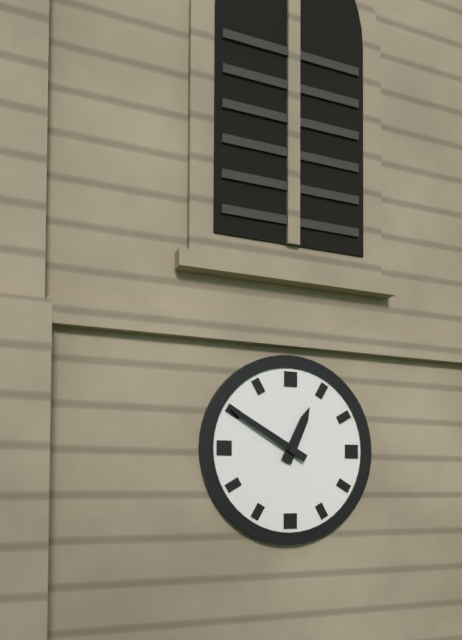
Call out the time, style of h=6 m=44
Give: h=12 m=50
